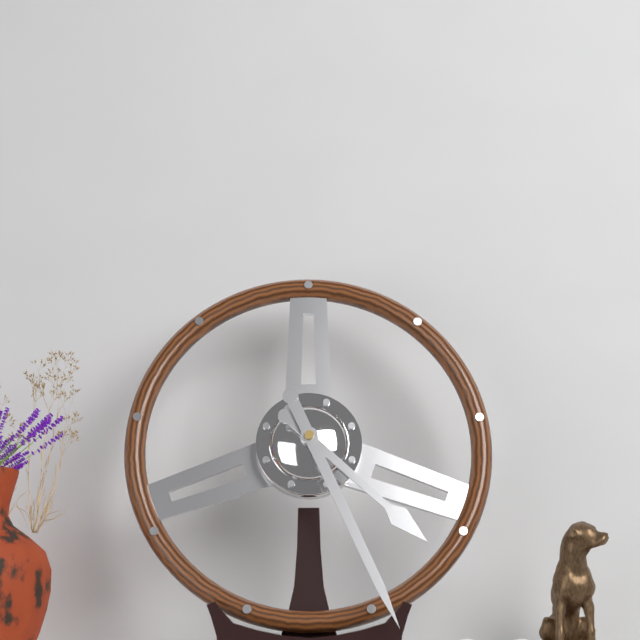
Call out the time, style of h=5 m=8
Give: h=4 m=26
